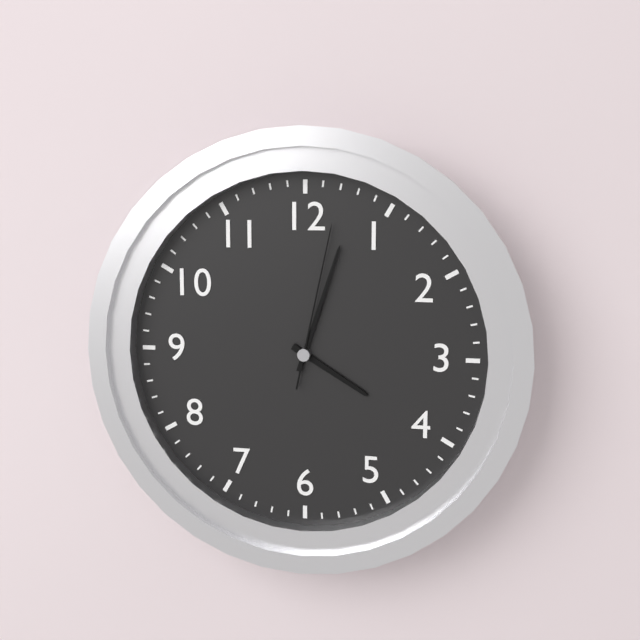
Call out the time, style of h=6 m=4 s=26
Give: h=4 m=3 s=2
